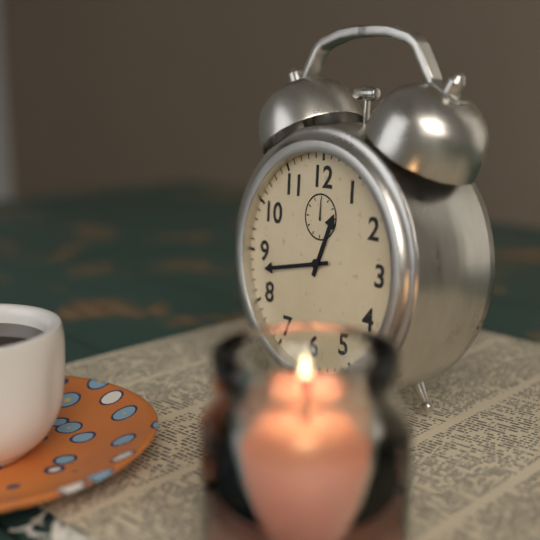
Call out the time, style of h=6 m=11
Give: h=12 m=43
